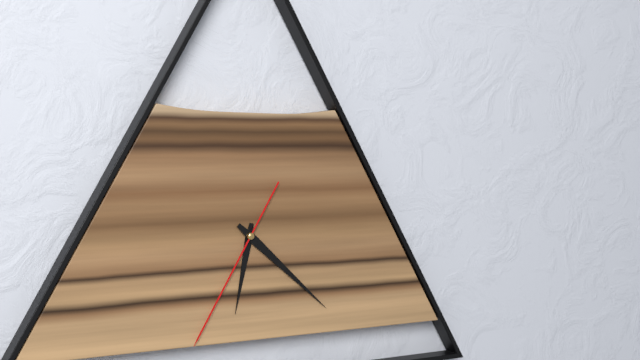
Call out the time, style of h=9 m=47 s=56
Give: h=6 m=22 s=35
